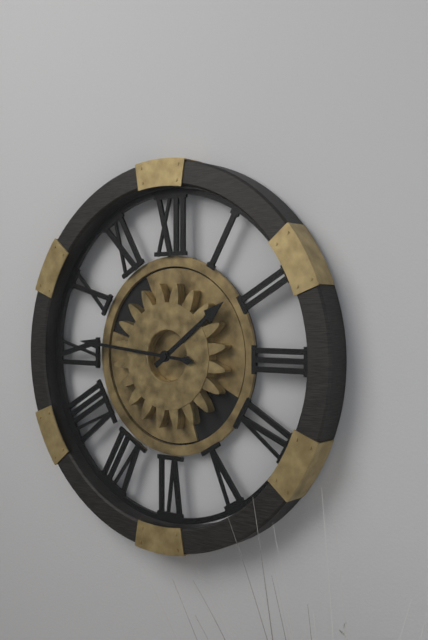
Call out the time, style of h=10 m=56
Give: h=1 m=46
